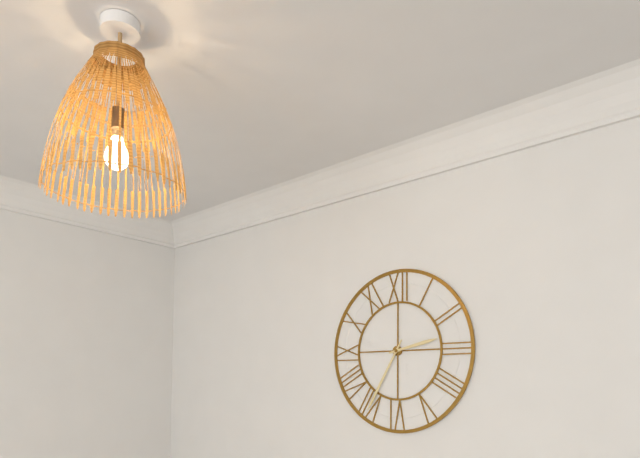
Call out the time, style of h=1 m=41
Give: h=2 m=35
